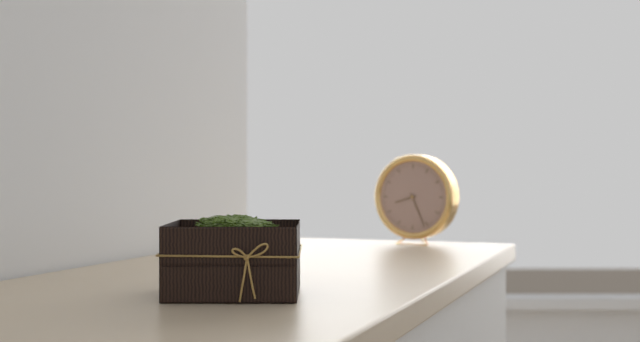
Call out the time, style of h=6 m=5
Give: h=8 m=26
